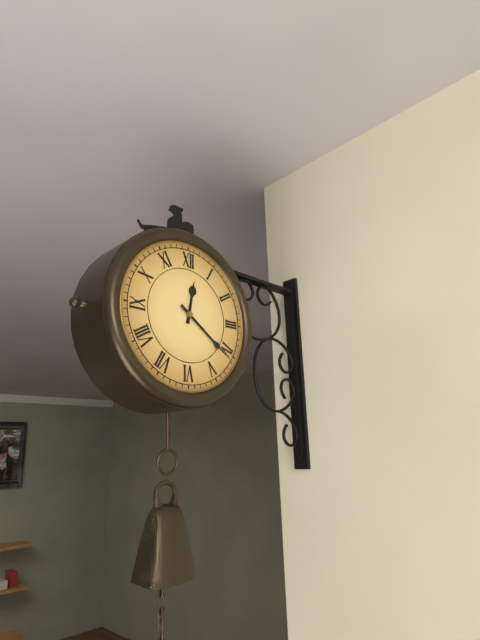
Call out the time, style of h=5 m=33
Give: h=12 m=21
